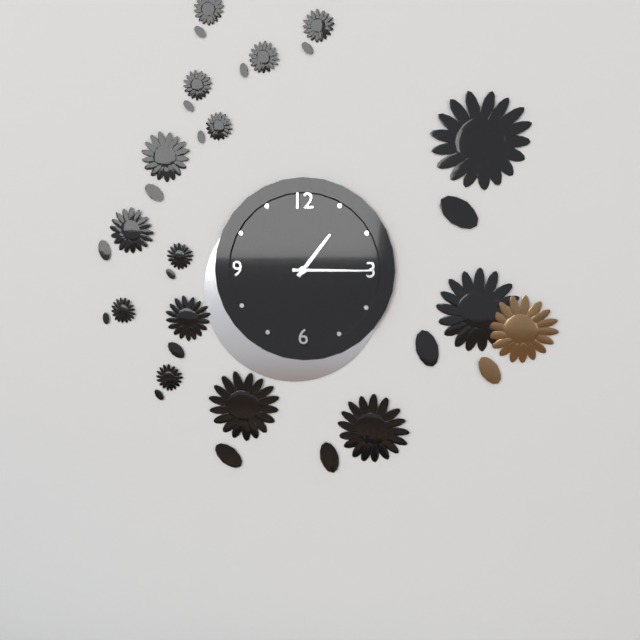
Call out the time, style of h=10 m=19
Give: h=1 m=15
